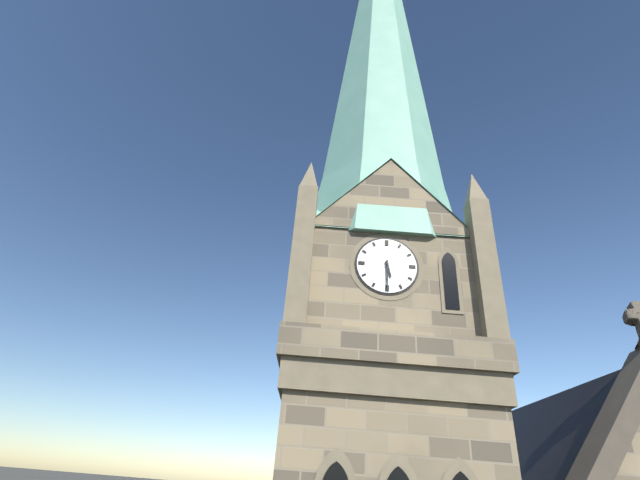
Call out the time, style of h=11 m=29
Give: h=5 m=30
